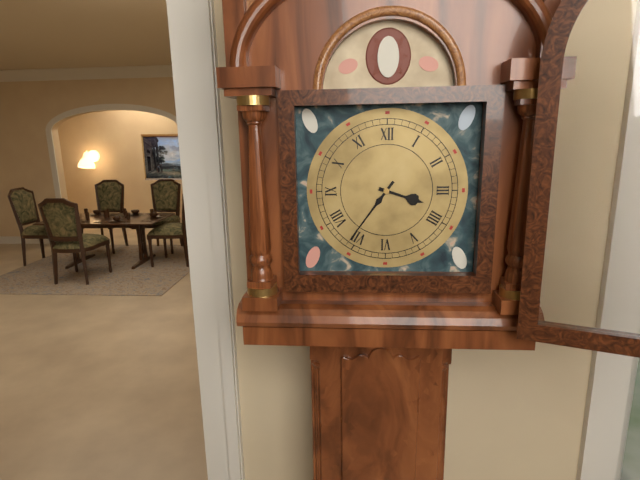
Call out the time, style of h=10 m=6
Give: h=3 m=36
